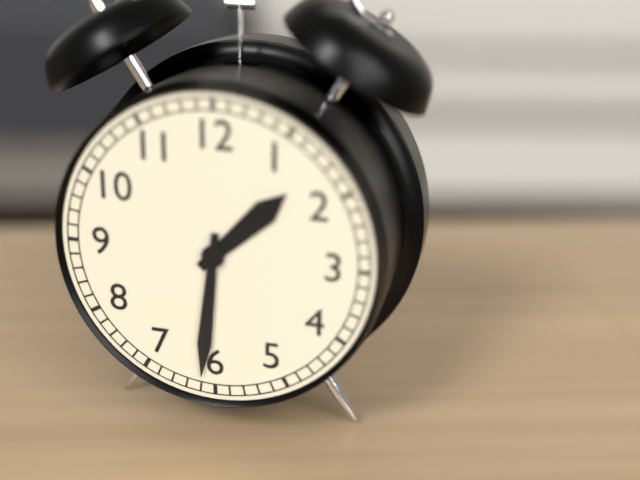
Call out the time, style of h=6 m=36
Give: h=1 m=31
